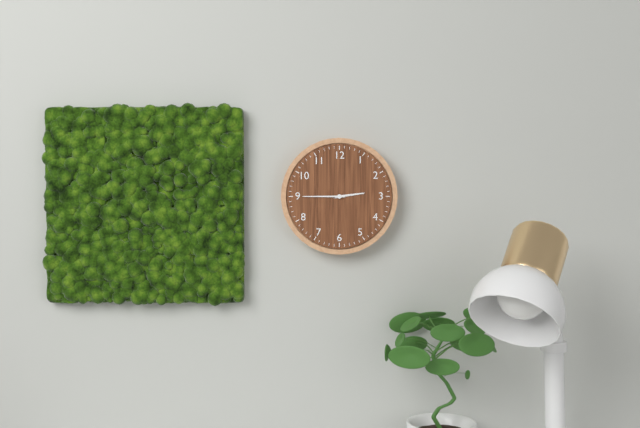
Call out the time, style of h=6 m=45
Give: h=2 m=45
